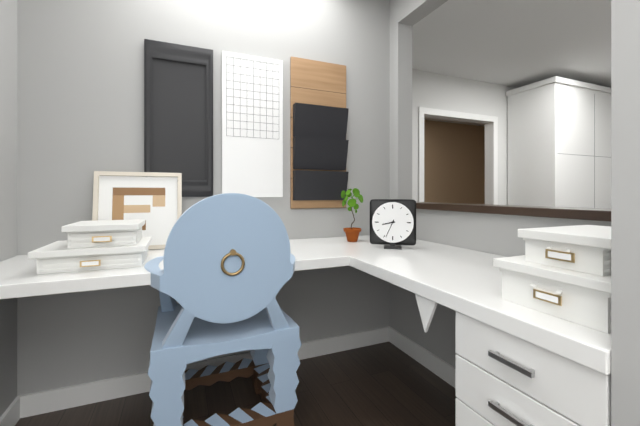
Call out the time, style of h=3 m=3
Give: h=8 m=34
